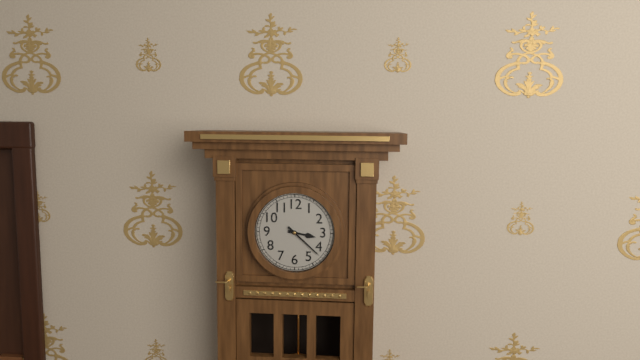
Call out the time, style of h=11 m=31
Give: h=3 m=22
